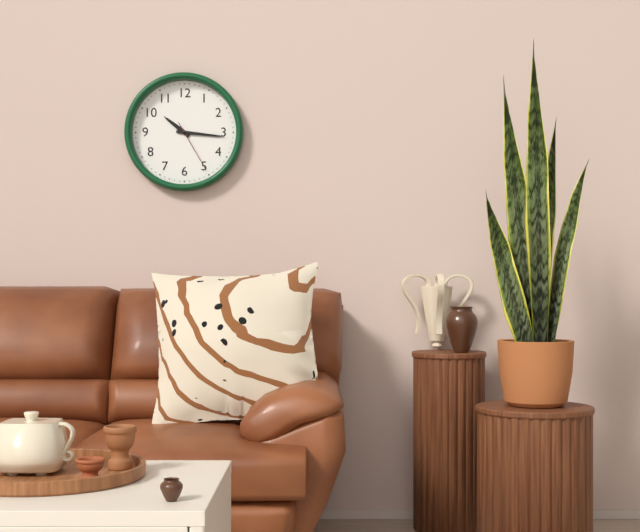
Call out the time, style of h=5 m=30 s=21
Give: h=10 m=16 s=25
